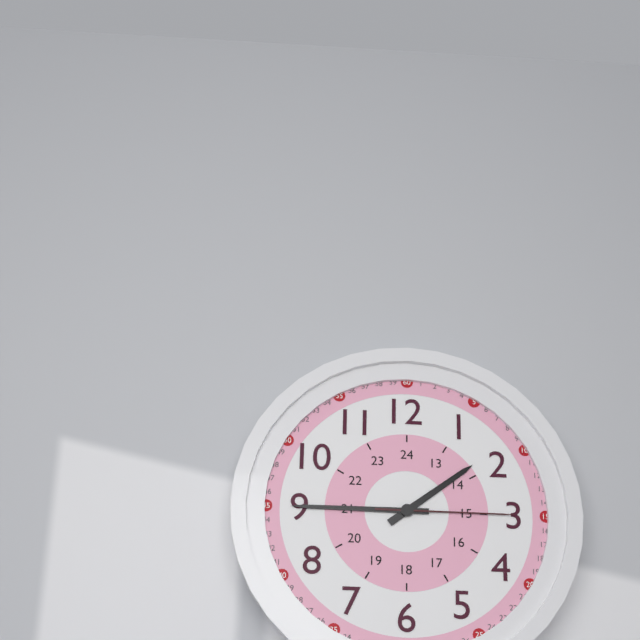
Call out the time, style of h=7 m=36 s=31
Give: h=1 m=45 s=15
